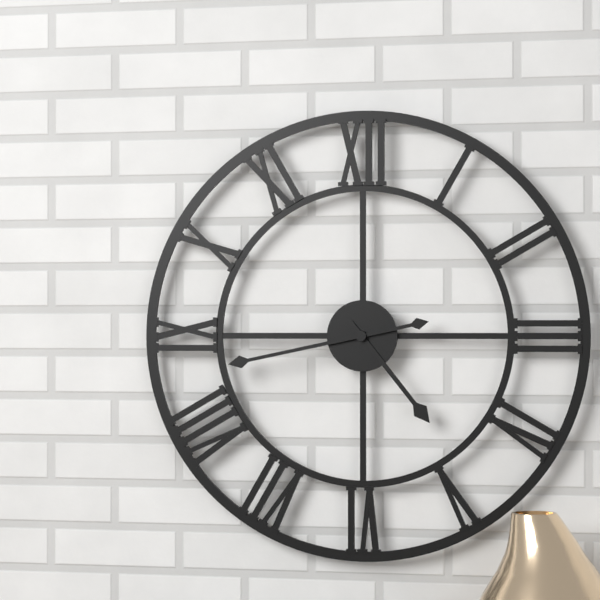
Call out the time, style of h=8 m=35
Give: h=4 m=43
